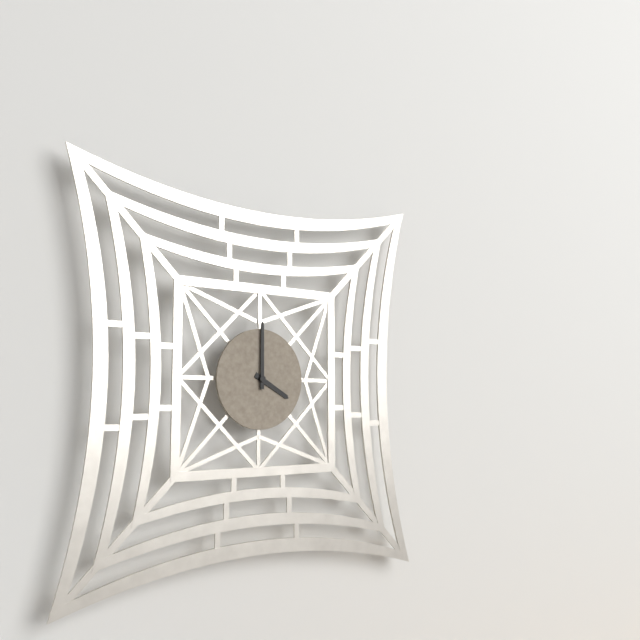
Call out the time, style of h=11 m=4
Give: h=4 m=0
